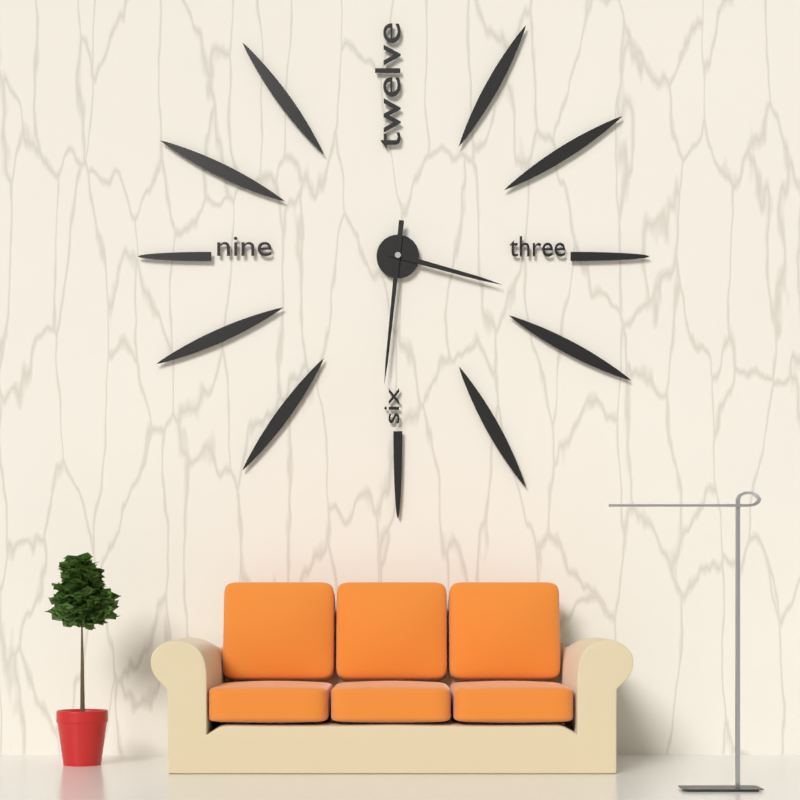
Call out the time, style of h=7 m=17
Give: h=3 m=31
